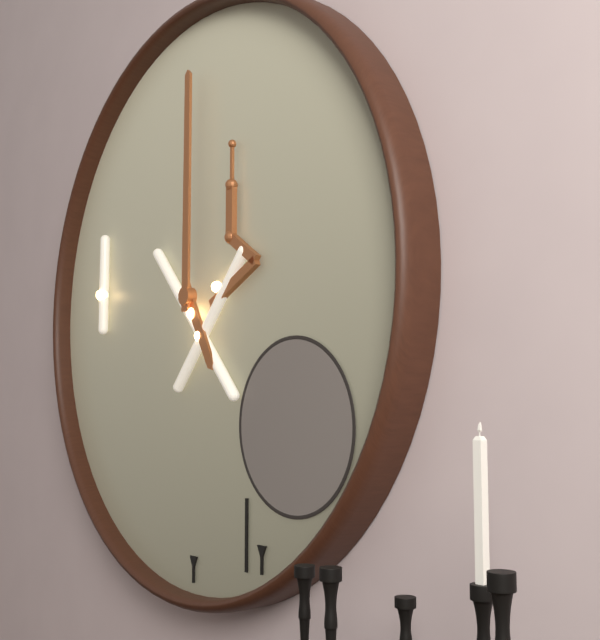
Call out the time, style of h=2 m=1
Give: h=5 m=0
